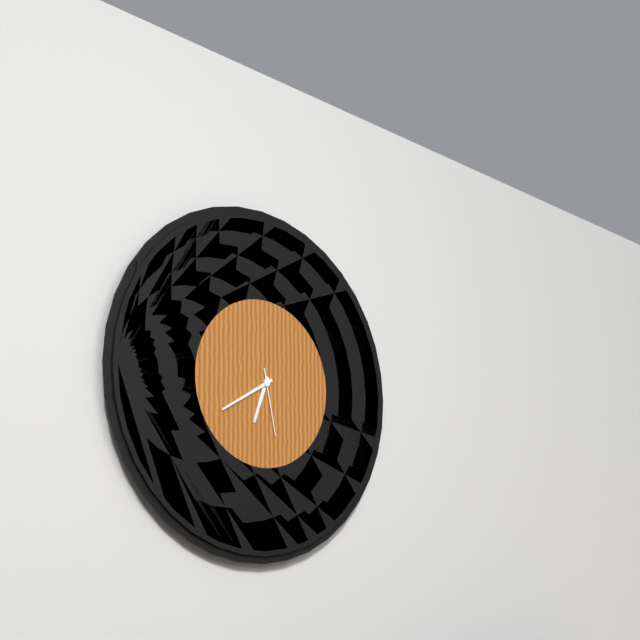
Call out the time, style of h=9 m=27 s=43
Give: h=6 m=40 s=28
